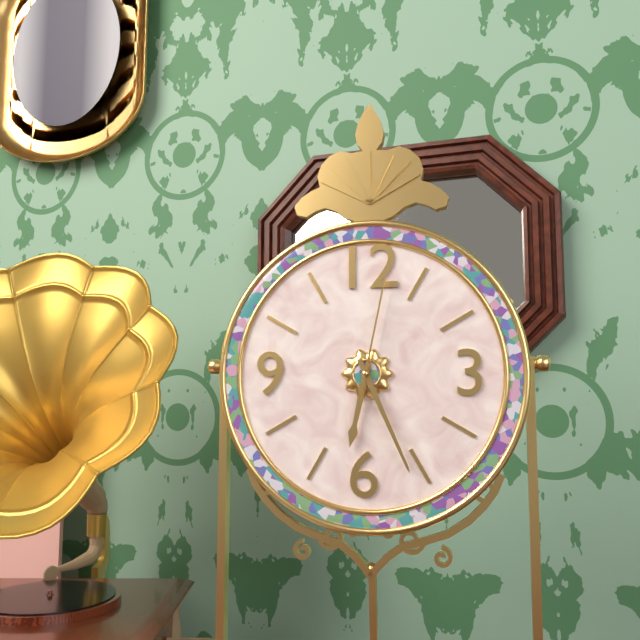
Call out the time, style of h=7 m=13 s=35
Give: h=6 m=26 s=2
